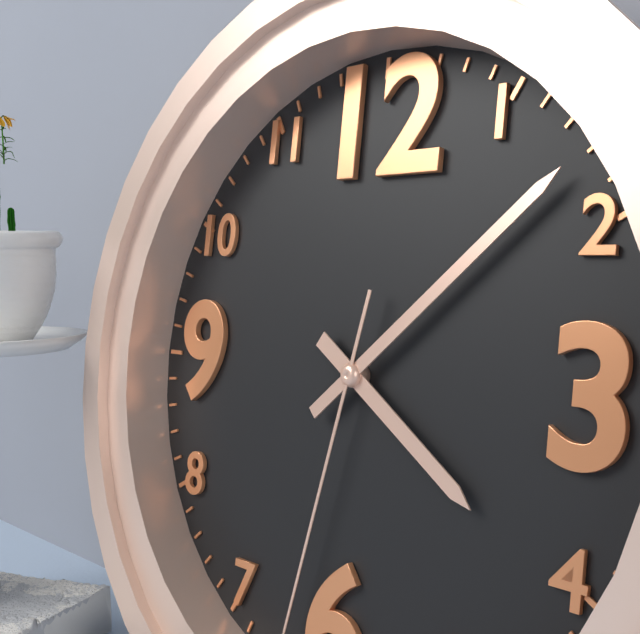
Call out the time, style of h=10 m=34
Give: h=4 m=8
